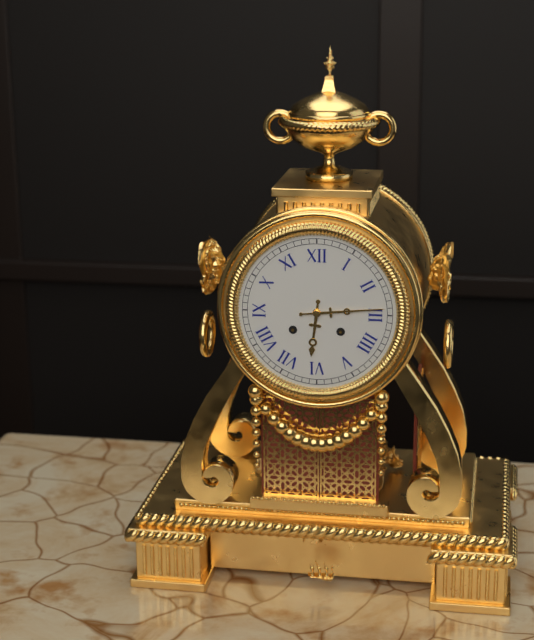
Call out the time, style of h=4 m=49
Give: h=6 m=14
